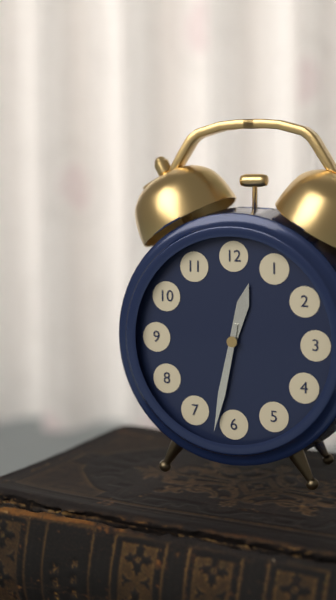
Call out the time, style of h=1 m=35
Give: h=12 m=32
